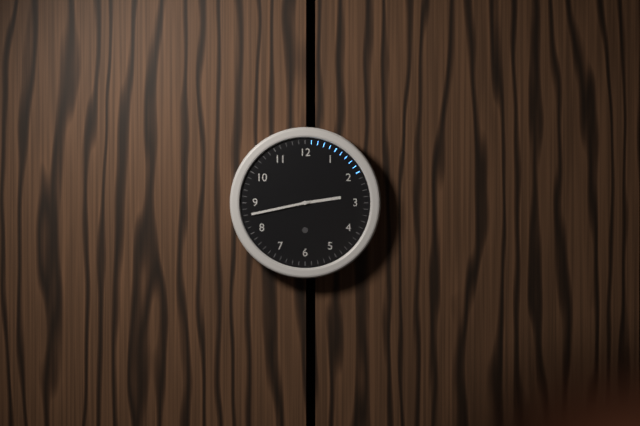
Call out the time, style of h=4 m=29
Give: h=2 m=43
